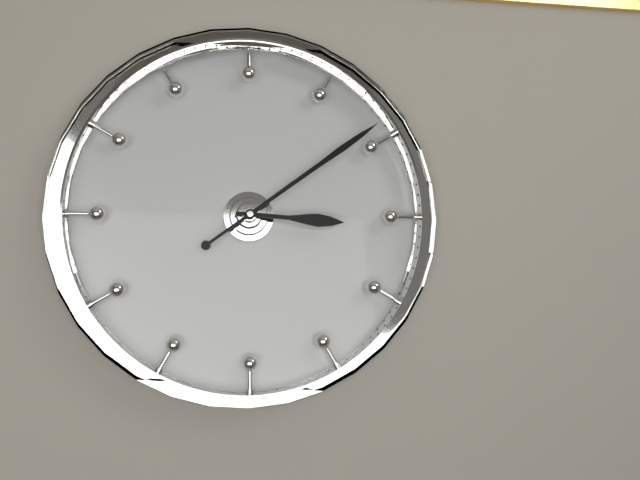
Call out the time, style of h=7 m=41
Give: h=3 m=9
